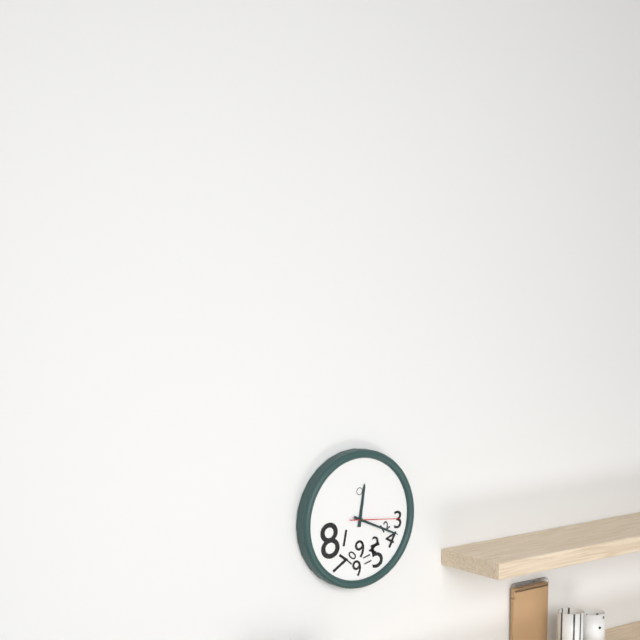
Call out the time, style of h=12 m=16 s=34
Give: h=12 m=19 s=16
